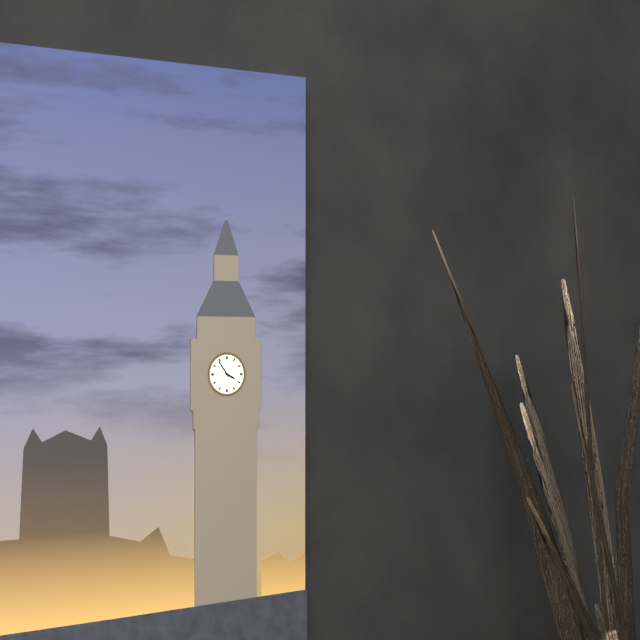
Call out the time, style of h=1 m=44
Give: h=3 m=54
